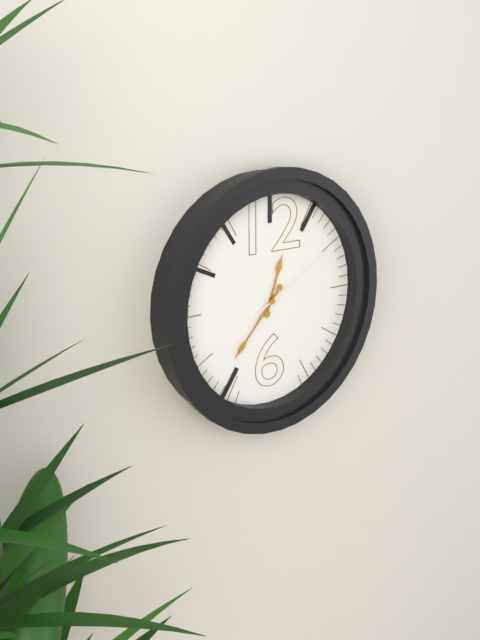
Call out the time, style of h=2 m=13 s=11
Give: h=12 m=37 s=10
